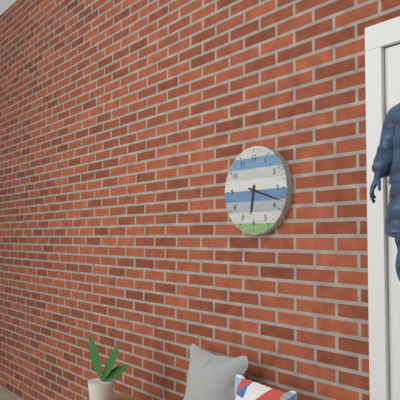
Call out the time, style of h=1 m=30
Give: h=6 m=18
